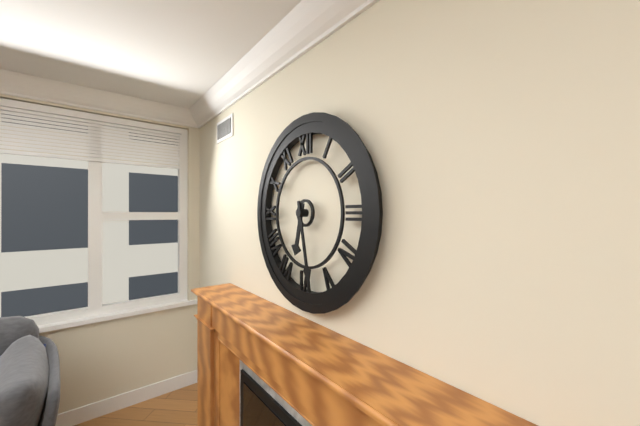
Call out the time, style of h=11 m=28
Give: h=6 m=28
